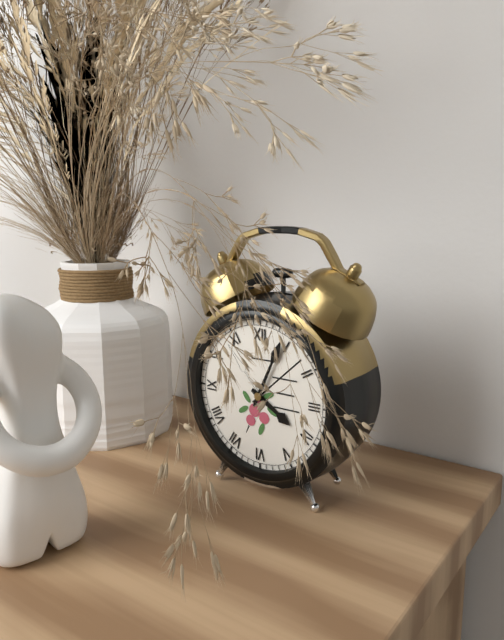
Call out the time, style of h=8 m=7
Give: h=4 m=4
